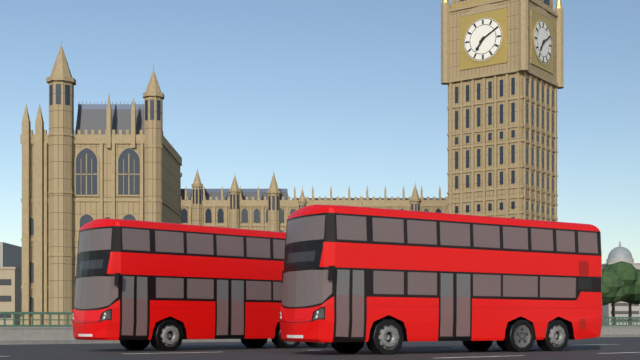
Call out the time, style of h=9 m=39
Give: h=7 m=10
